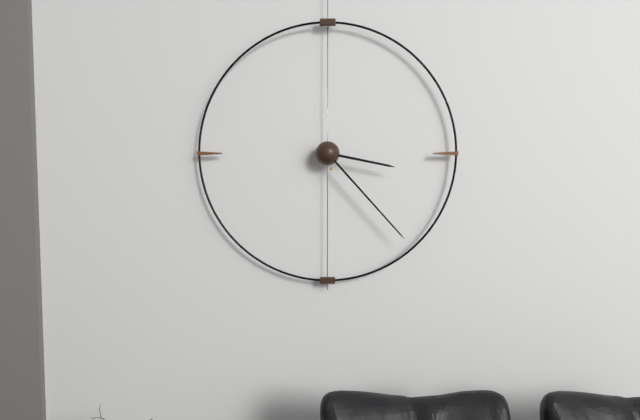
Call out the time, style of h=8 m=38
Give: h=3 m=23
